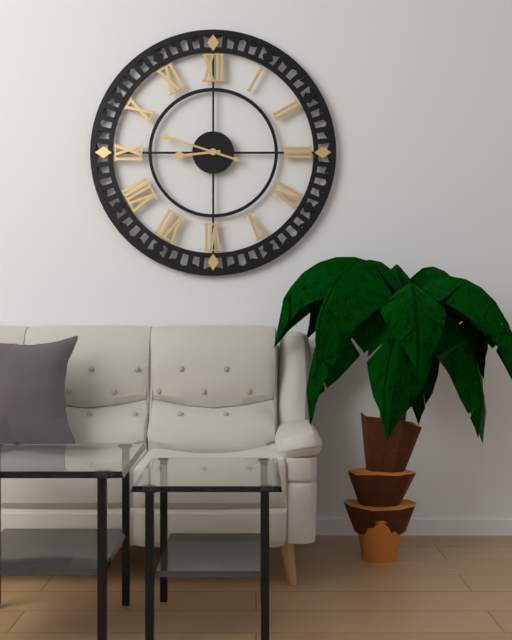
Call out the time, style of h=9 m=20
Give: h=8 m=48
